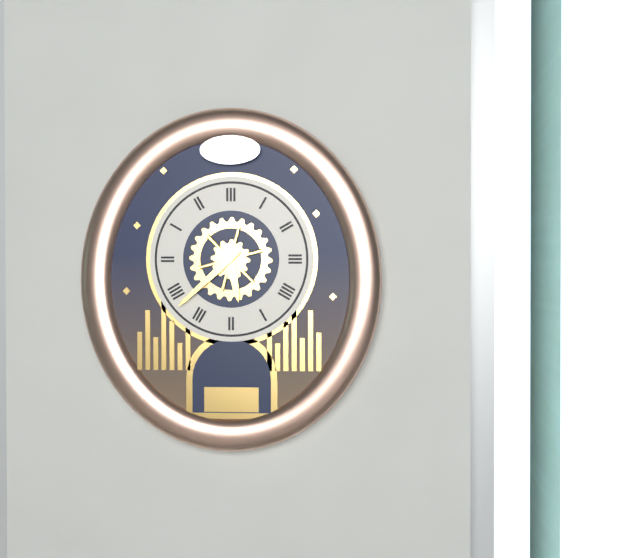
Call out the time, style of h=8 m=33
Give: h=5 m=38
